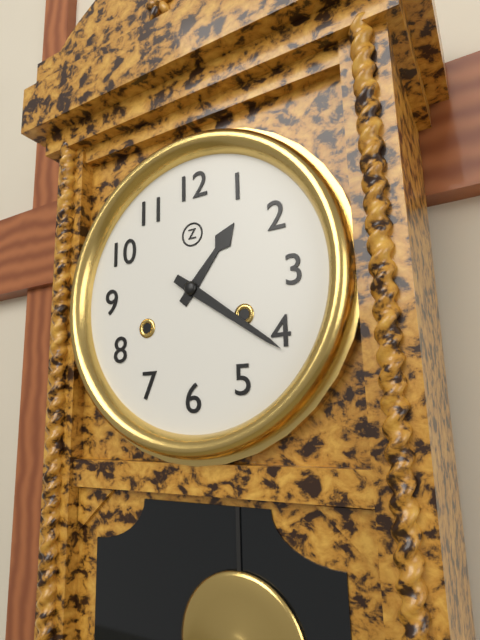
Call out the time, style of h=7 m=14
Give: h=1 m=21
